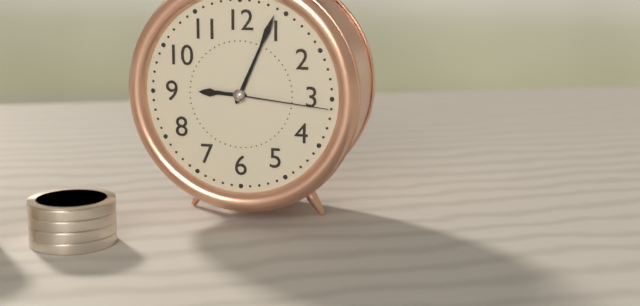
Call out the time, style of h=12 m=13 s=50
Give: h=9 m=4 s=16
